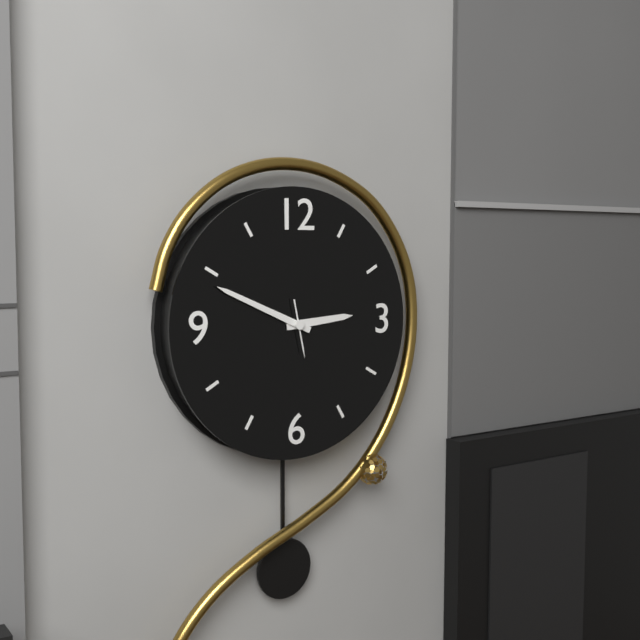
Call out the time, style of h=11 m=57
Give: h=2 m=49
